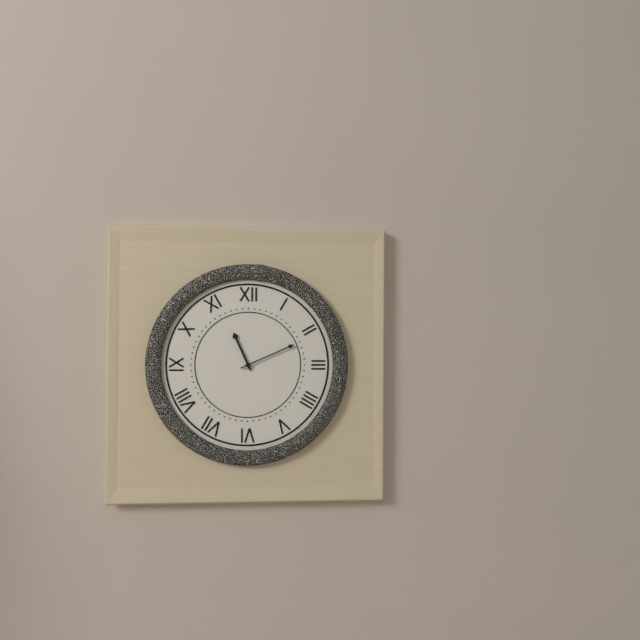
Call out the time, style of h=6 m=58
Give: h=11 m=11
